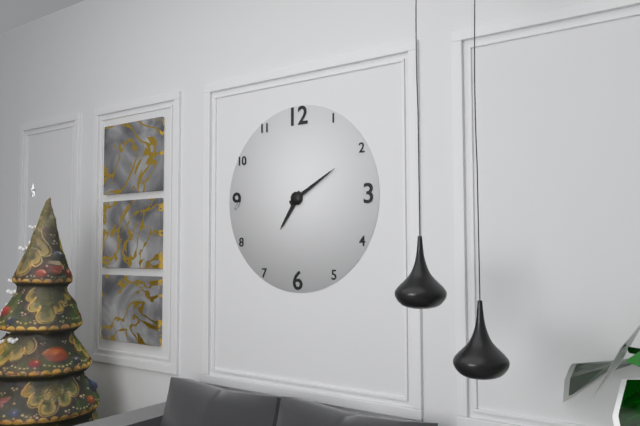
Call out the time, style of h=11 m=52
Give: h=7 m=10
